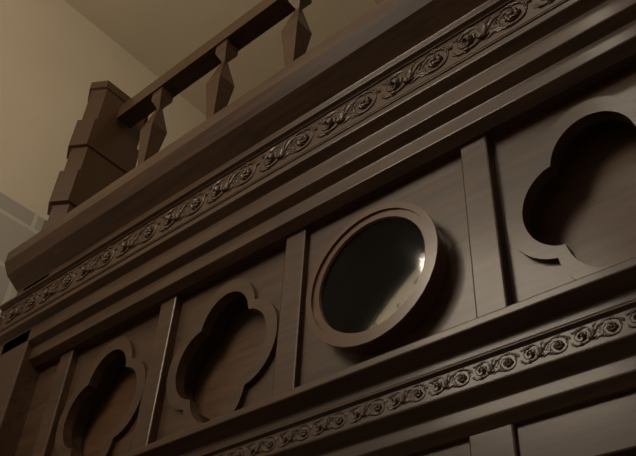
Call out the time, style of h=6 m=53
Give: h=8 m=8
